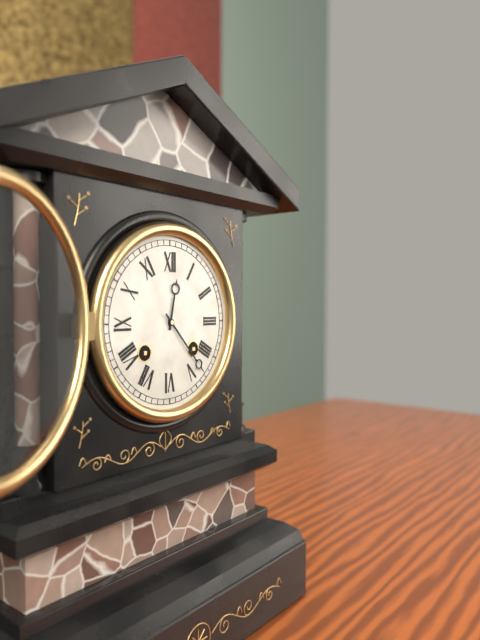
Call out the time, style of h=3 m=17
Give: h=12 m=23
